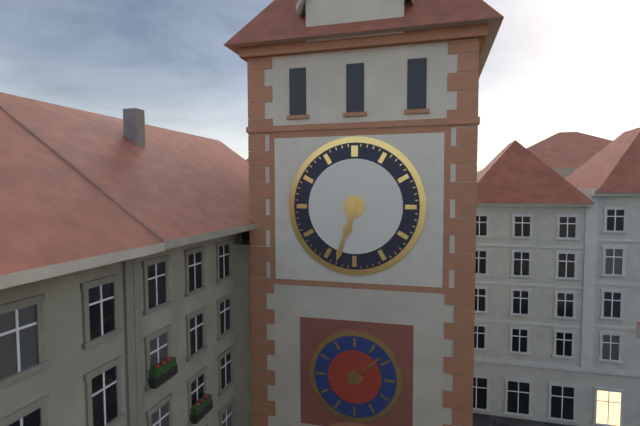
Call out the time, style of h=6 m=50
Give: h=6 m=33
